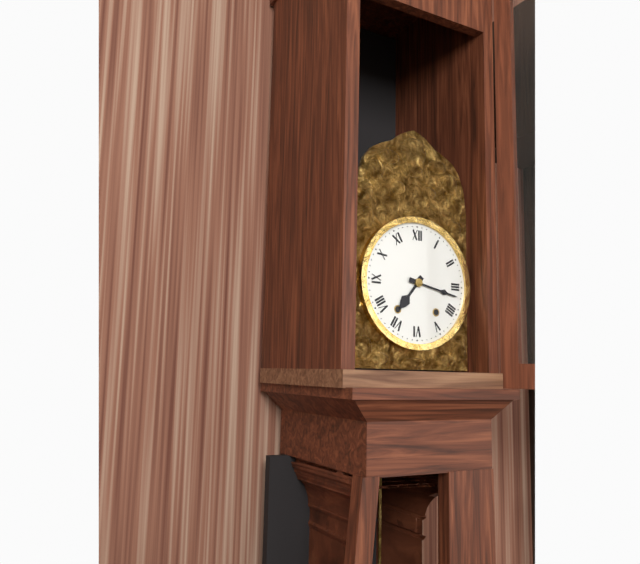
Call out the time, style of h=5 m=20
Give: h=7 m=17
